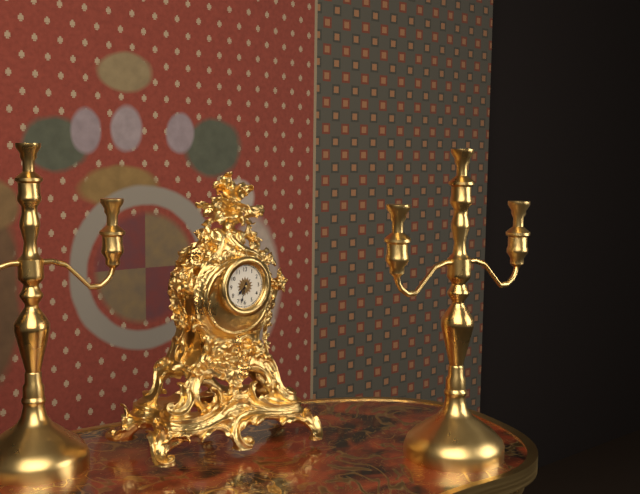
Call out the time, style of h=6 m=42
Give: h=7 m=33
